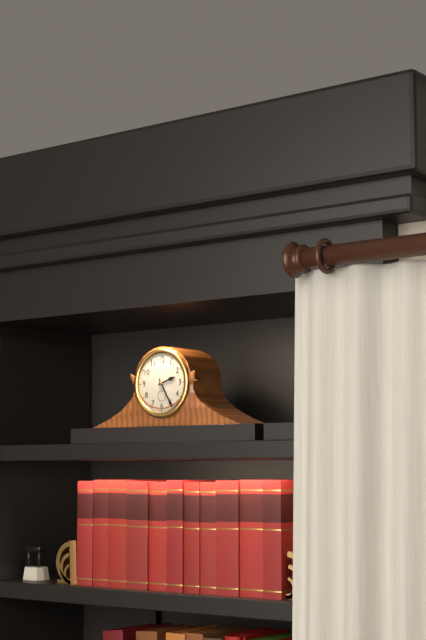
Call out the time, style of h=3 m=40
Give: h=2 m=25
